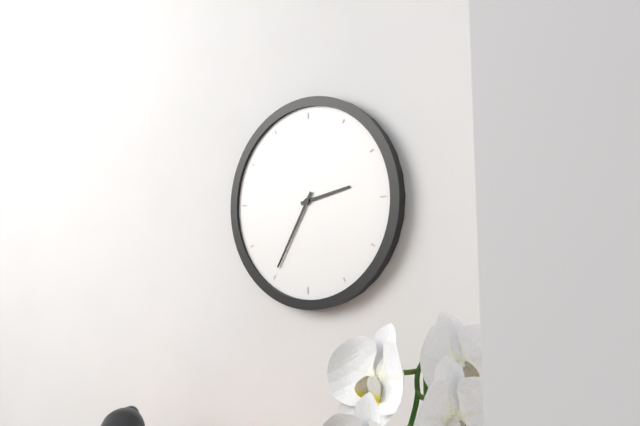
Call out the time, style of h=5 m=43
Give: h=2 m=35
